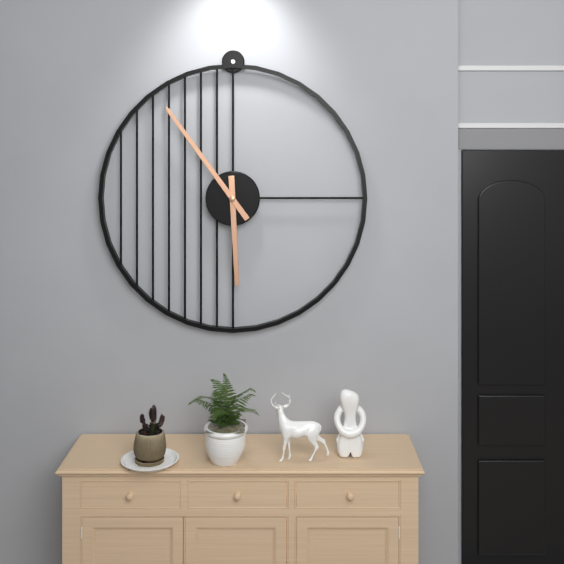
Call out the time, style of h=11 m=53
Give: h=5 m=54
